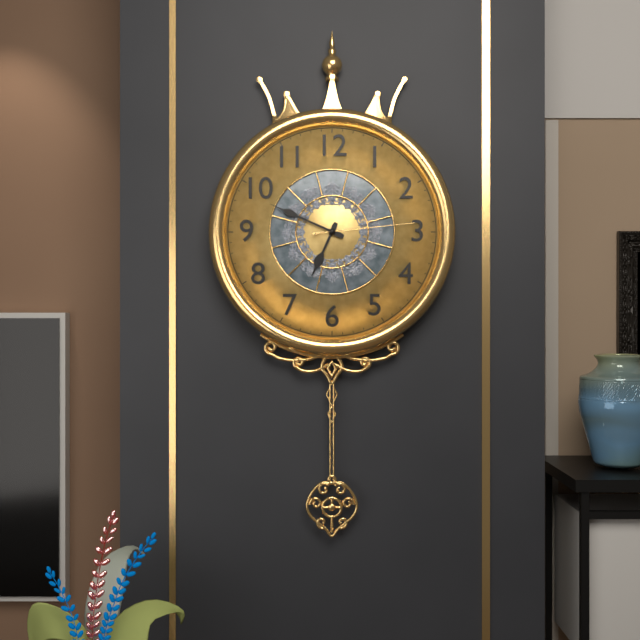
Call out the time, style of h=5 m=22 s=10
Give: h=6 m=49 s=14
